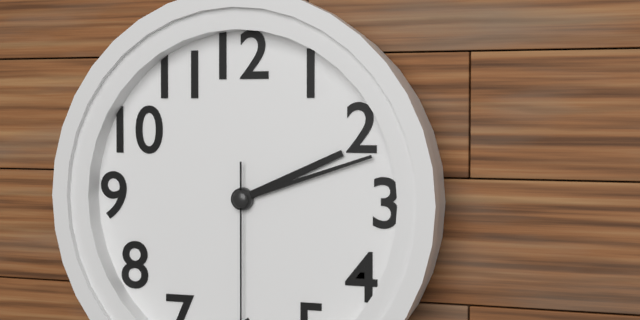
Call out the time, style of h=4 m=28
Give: h=2 m=12
